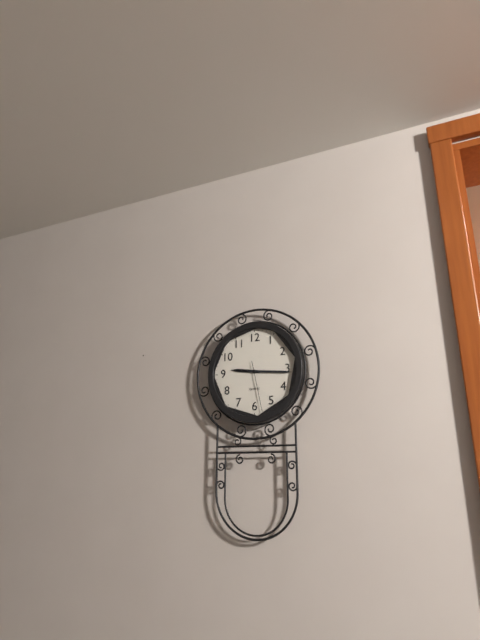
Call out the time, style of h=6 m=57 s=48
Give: h=9 m=16 s=28
